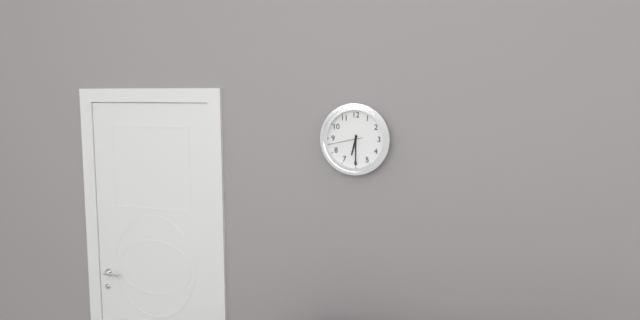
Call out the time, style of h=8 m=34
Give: h=6 m=30
